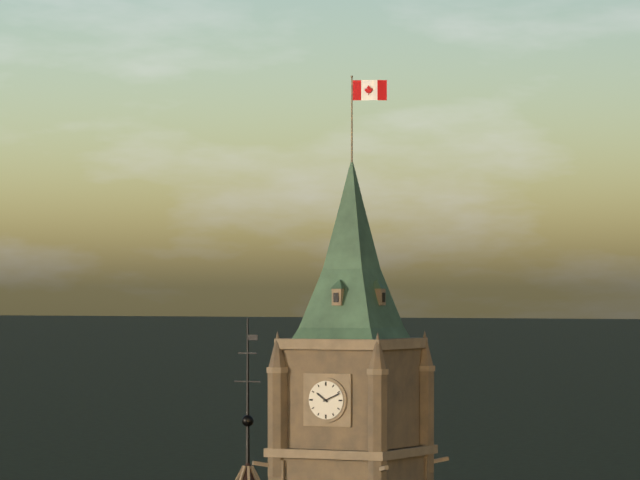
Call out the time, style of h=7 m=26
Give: h=10 m=11
